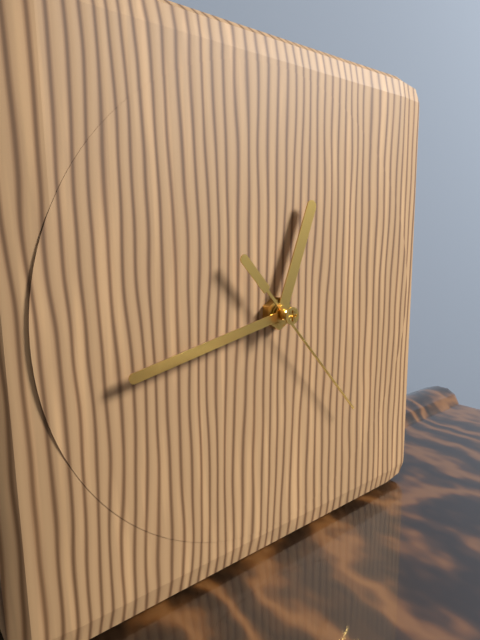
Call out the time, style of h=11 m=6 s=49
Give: h=12 m=43 s=23
